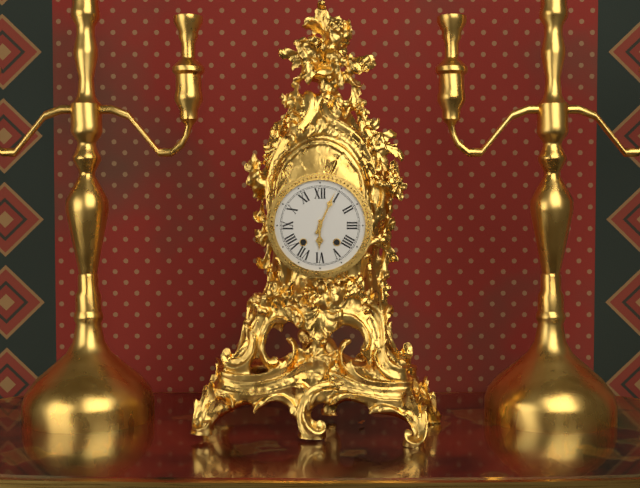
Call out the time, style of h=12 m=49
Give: h=6 m=4
